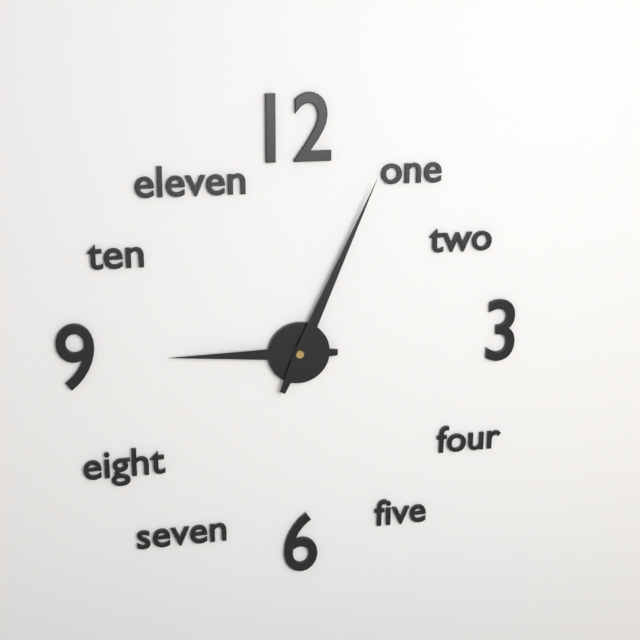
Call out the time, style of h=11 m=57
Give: h=9 m=4
